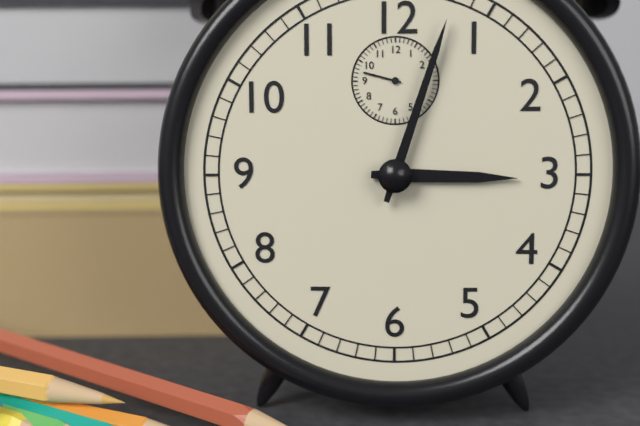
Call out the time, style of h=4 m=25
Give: h=3 m=3
